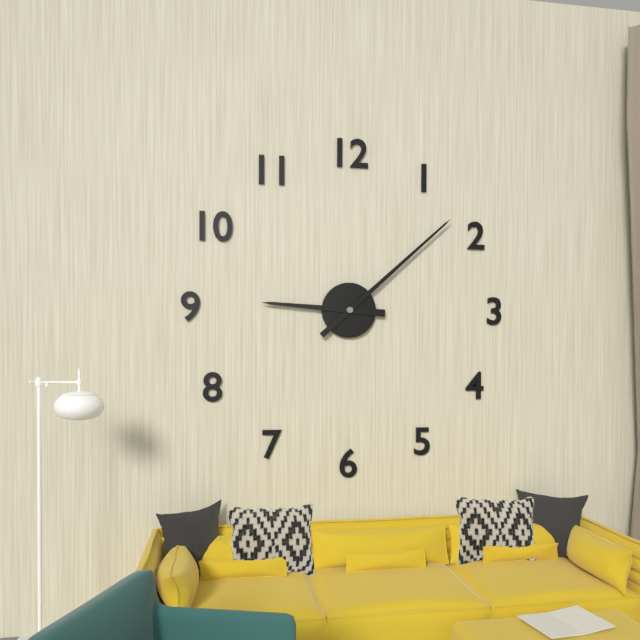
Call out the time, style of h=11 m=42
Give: h=9 m=8
